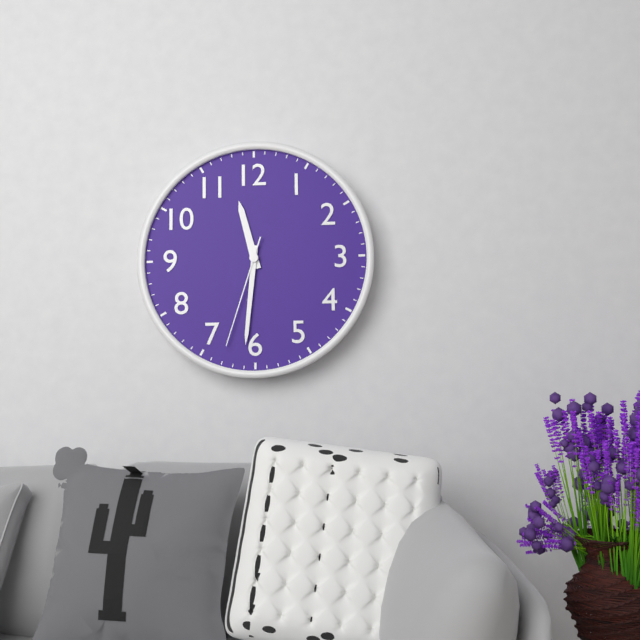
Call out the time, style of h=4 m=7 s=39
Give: h=11 m=31 s=33
